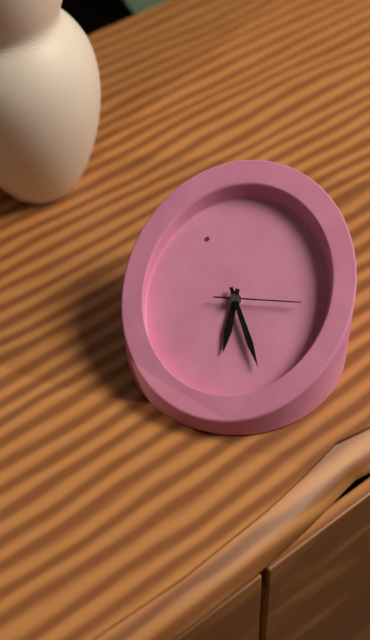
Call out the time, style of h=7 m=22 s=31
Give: h=8 m=38 s=27
